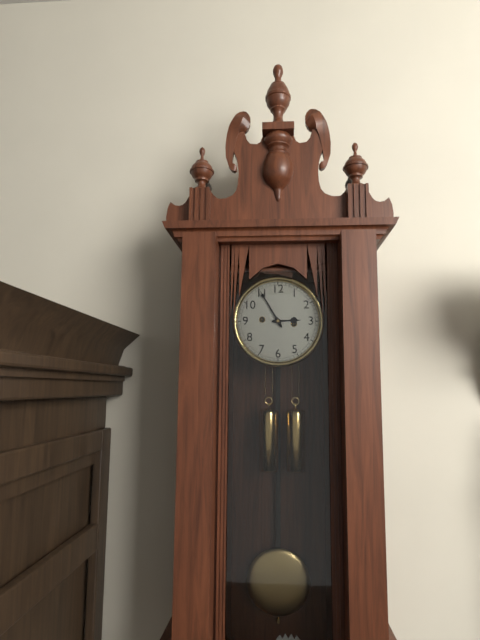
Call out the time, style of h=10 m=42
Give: h=2 m=55
